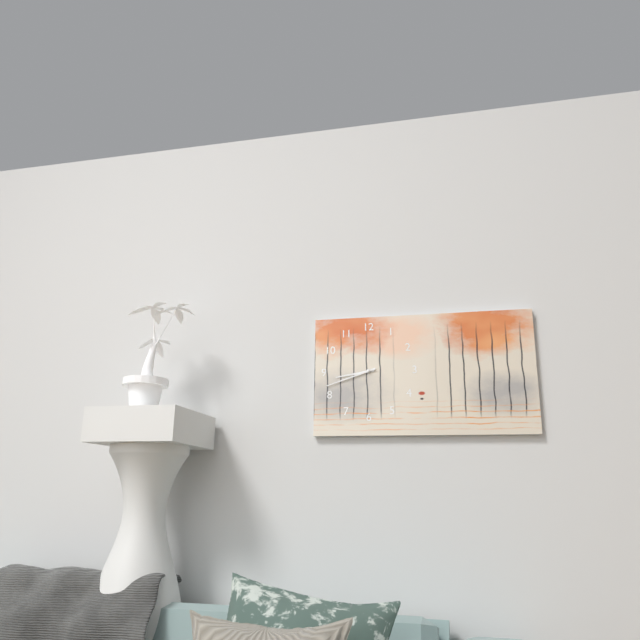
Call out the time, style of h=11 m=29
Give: h=8 m=42
